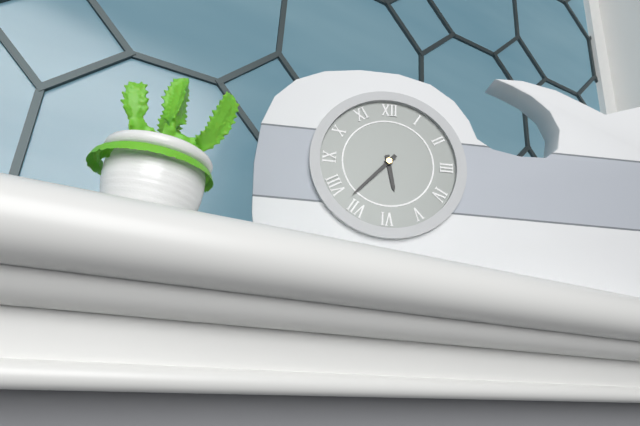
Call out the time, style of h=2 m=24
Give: h=5 m=37
